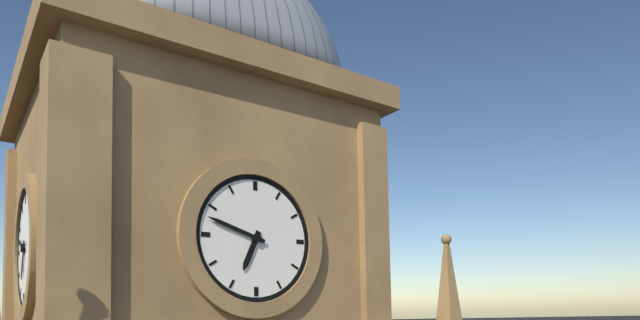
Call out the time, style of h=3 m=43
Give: h=6 m=48
